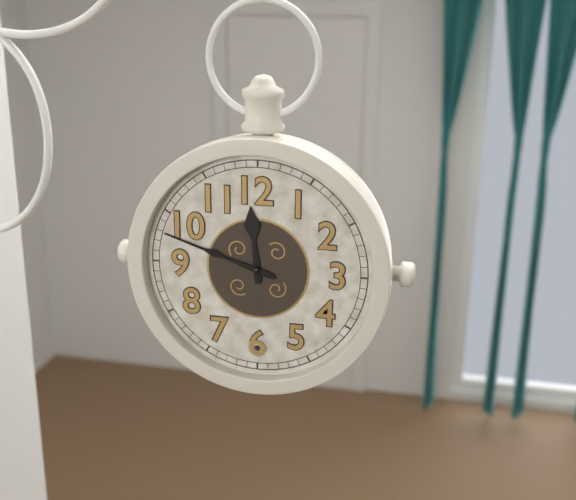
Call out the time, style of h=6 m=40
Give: h=11 m=48
